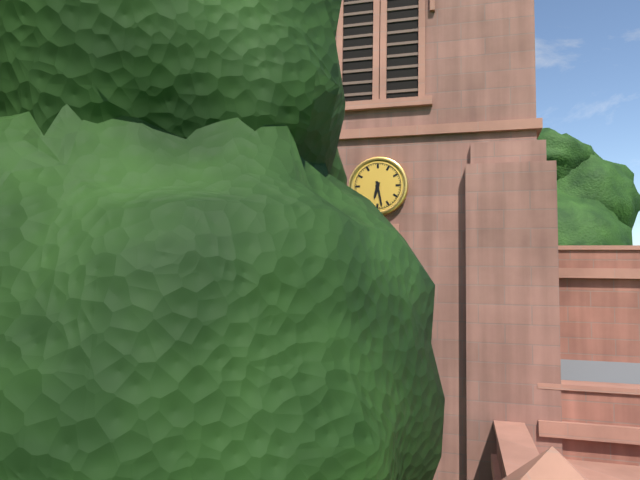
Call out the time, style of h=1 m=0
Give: h=6 m=28
